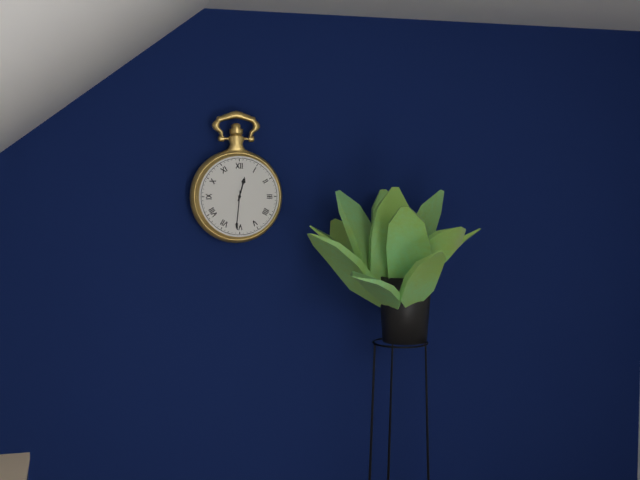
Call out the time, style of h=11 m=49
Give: h=12 m=31
